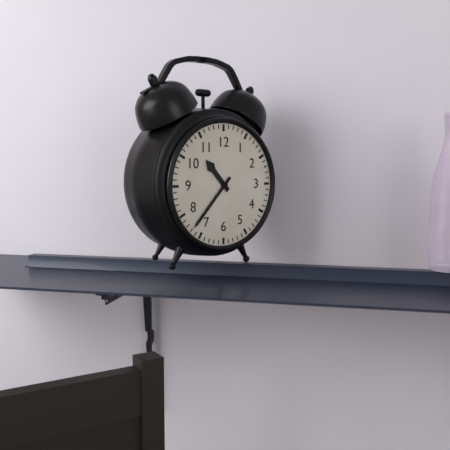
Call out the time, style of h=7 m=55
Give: h=10 m=37
